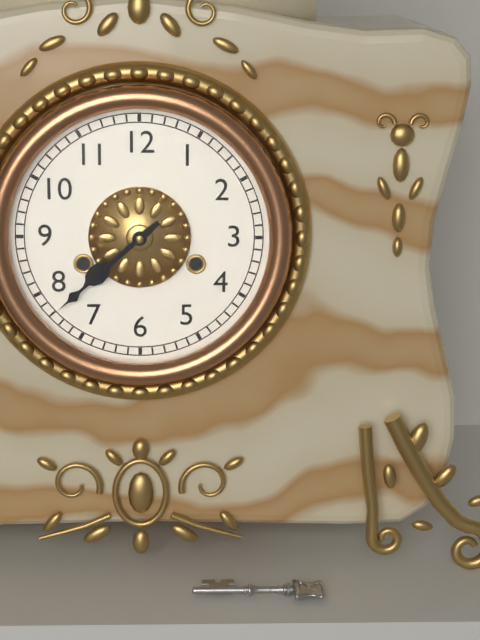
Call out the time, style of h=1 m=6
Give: h=7 m=38
